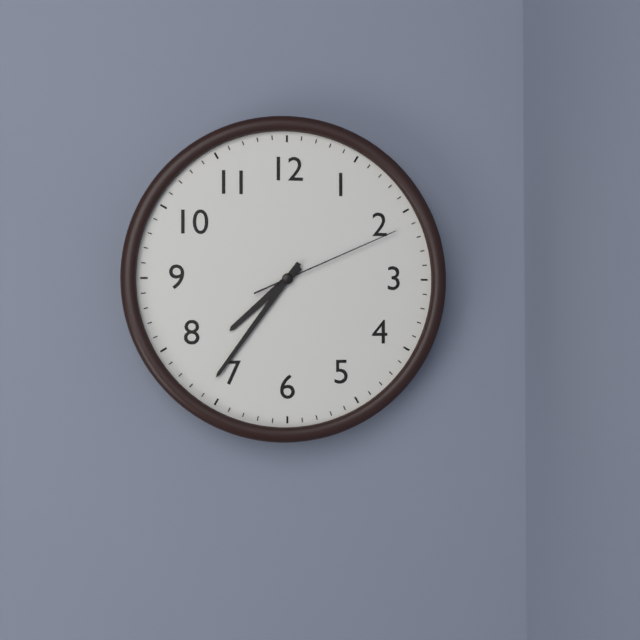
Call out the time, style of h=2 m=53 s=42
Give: h=7 m=36 s=11
